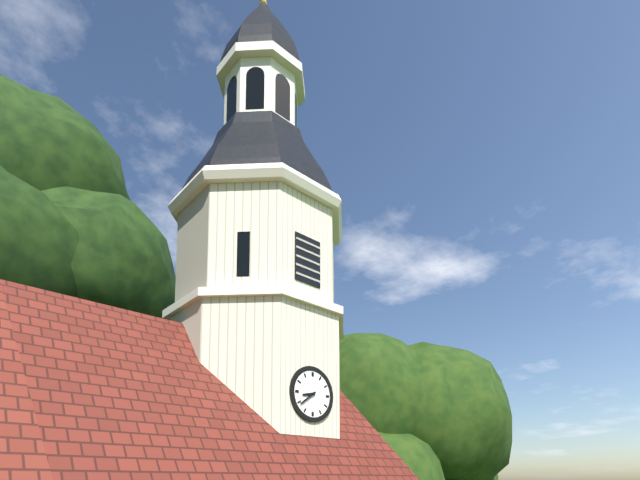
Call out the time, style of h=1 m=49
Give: h=8 m=39
